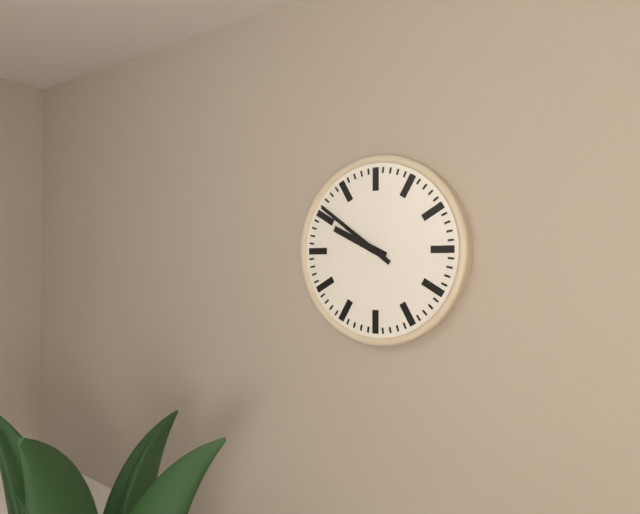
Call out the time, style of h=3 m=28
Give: h=9 m=51
